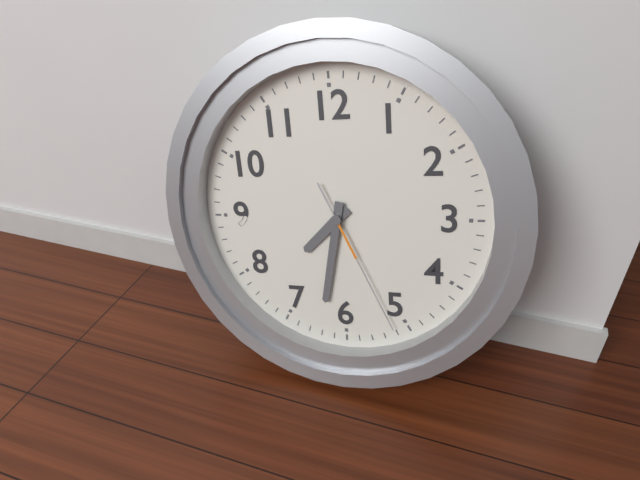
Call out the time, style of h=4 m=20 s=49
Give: h=7 m=32 s=26
